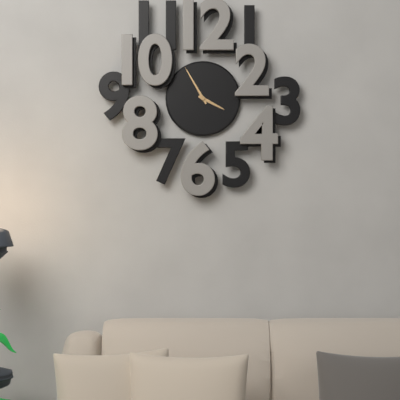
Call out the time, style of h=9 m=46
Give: h=3 m=55
